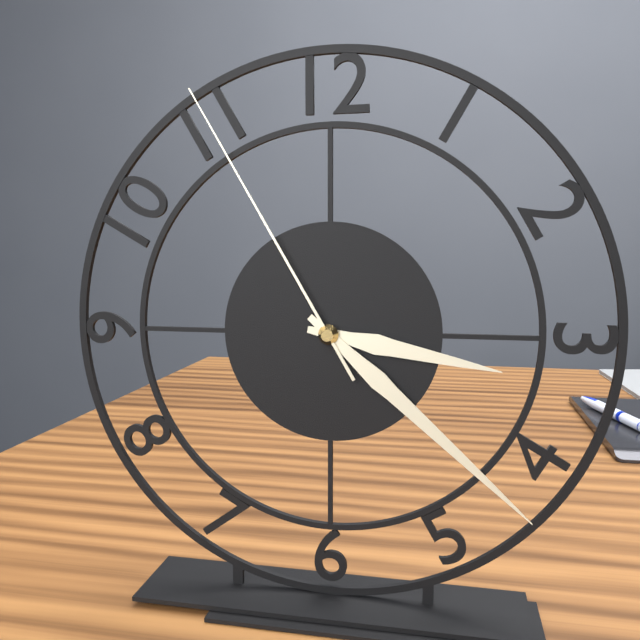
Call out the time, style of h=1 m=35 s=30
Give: h=3 m=22 s=55
